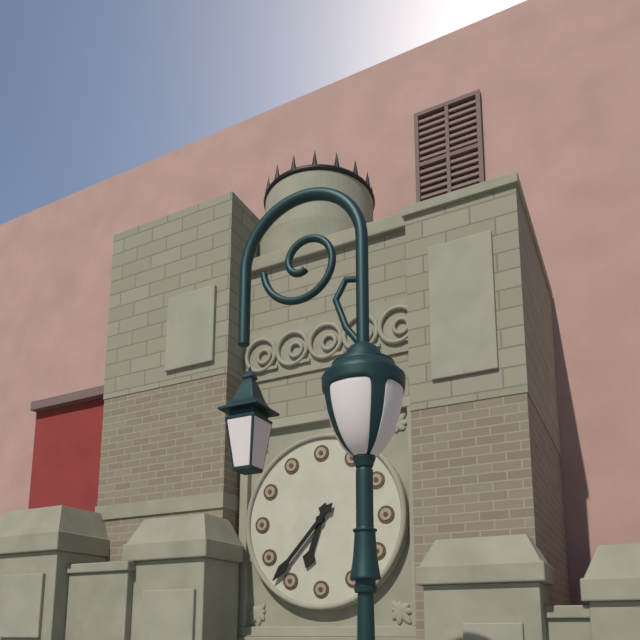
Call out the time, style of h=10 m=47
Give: h=6 m=37
